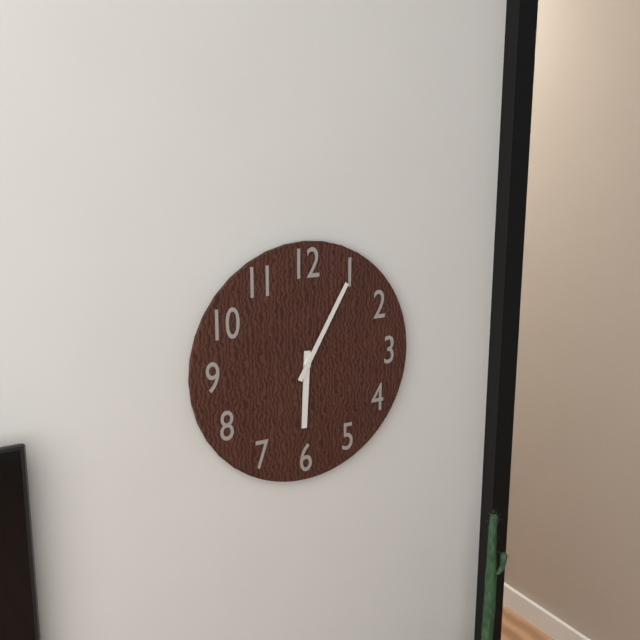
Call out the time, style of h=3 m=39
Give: h=6 m=5
